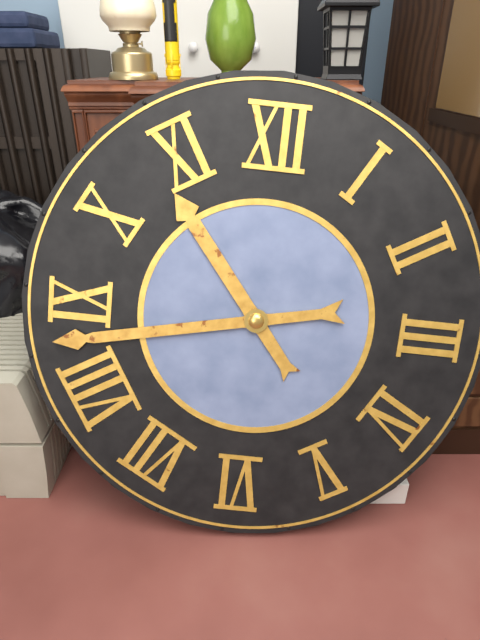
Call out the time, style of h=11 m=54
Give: h=10 m=43
